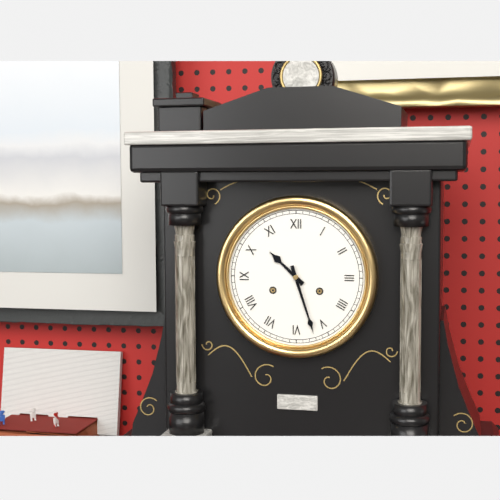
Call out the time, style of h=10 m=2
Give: h=10 m=27
